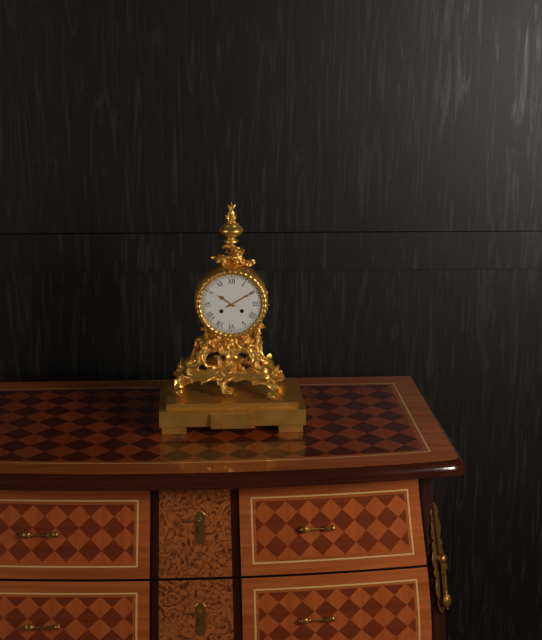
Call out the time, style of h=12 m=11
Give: h=10 m=10
